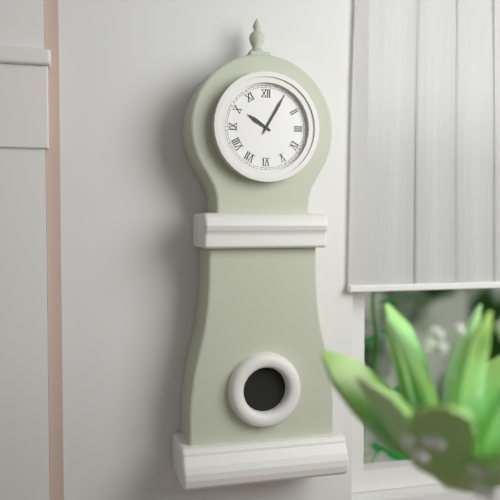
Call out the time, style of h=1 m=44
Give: h=10 m=5
